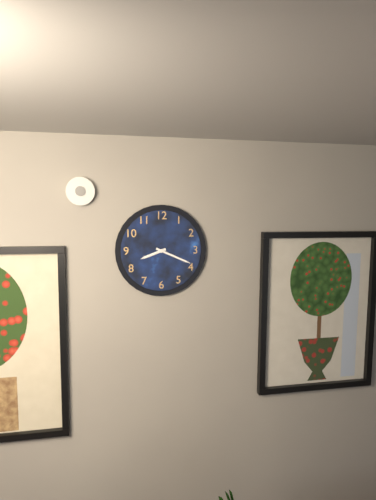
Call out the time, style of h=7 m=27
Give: h=8 m=19
